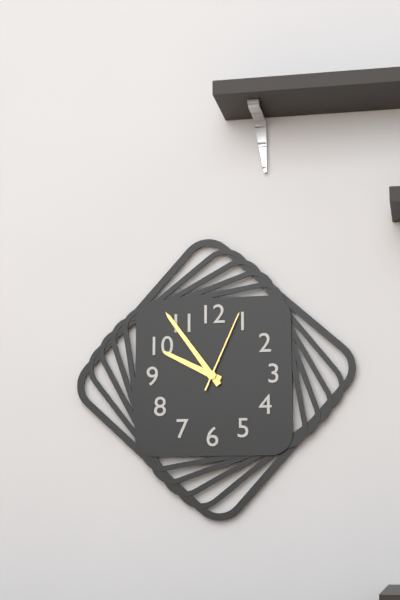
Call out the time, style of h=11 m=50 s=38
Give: h=9 m=54 s=4
